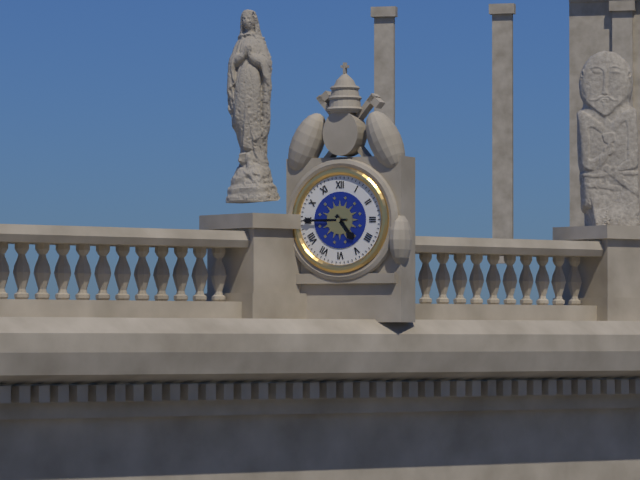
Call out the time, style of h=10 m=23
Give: h=4 m=45
